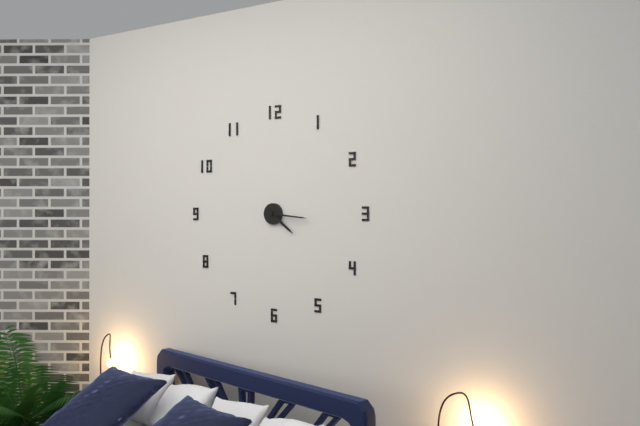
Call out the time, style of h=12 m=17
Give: h=4 m=16
